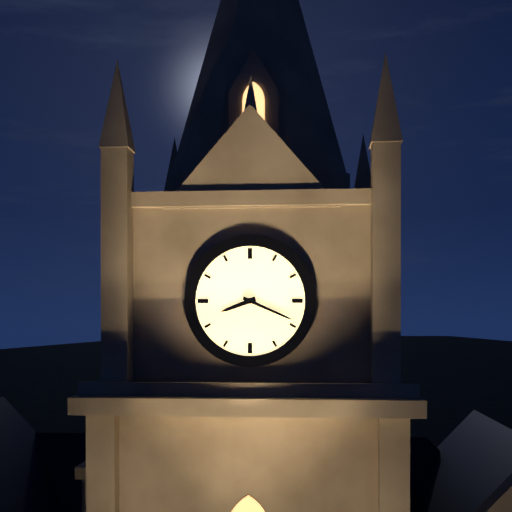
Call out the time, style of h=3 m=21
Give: h=8 m=19
